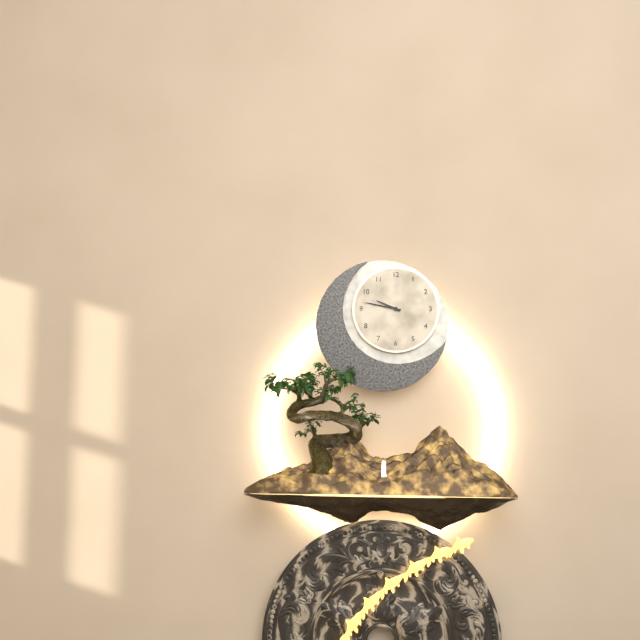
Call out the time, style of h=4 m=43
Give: h=9 m=47
